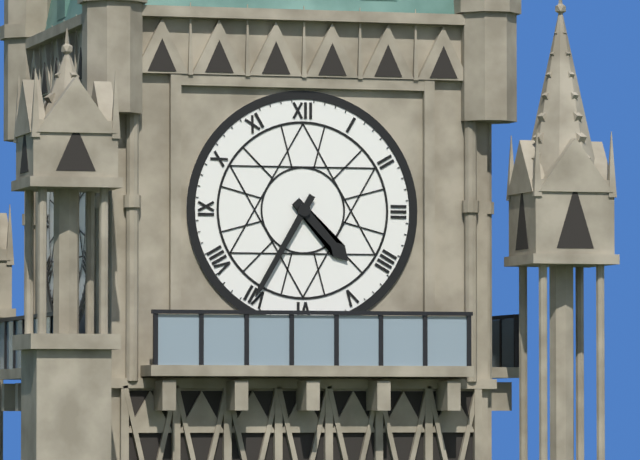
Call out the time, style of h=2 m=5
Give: h=4 m=35
